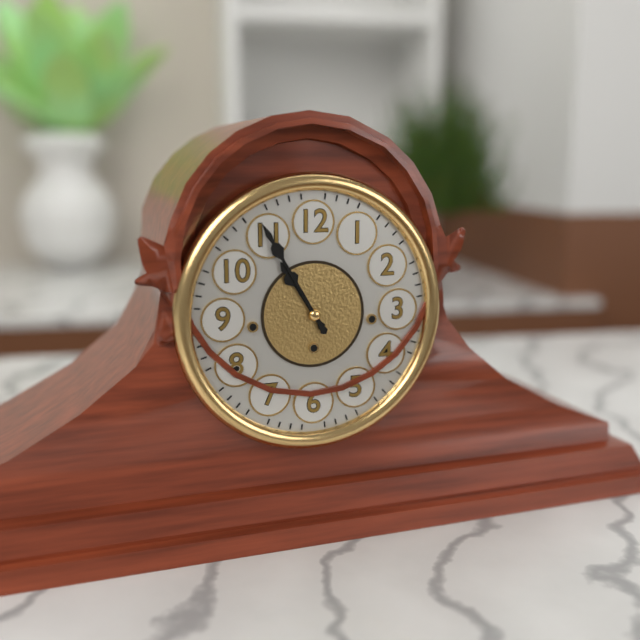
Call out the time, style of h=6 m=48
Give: h=10 m=55
